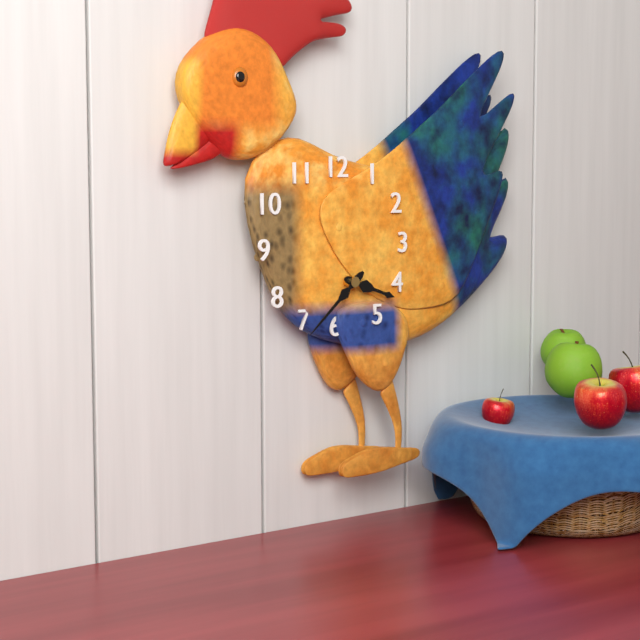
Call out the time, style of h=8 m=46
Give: h=3 m=38
